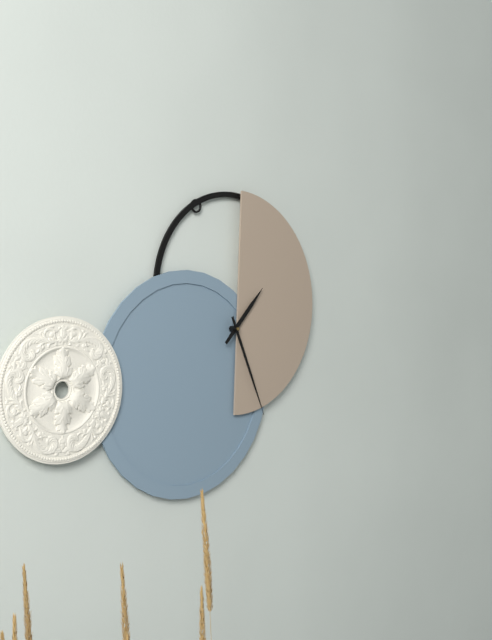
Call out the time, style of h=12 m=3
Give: h=1 m=26
